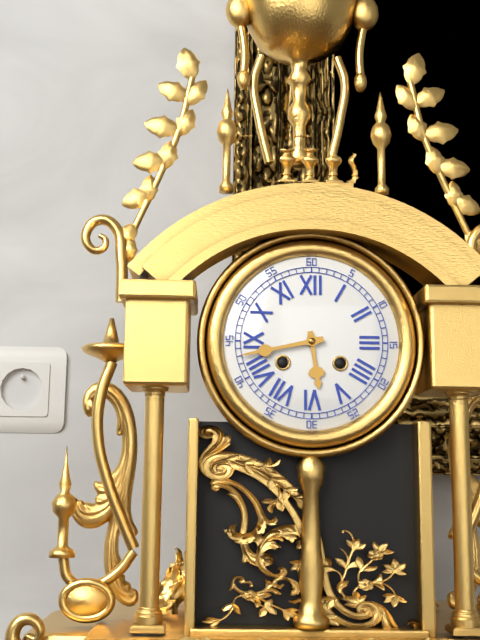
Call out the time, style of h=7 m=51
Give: h=5 m=43
